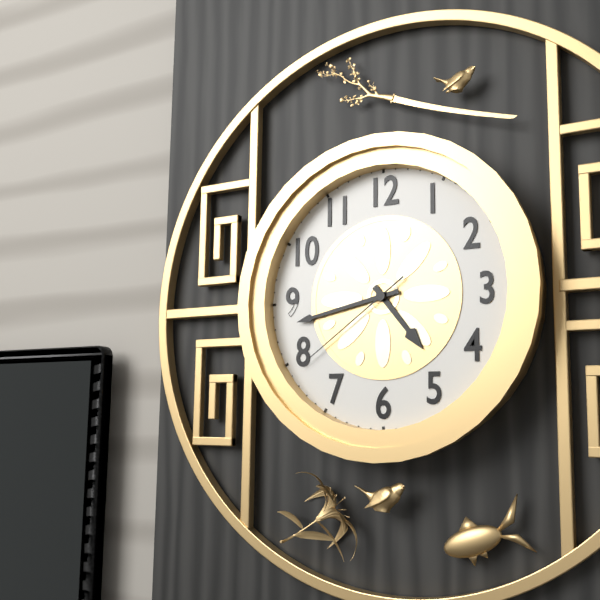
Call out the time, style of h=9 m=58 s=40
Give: h=4 m=43 s=39
